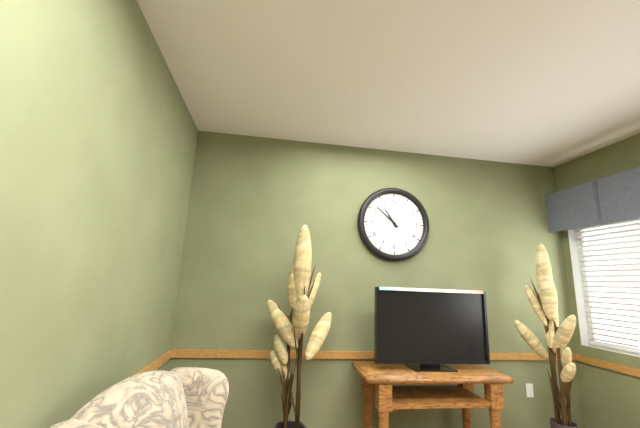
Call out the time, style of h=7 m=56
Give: h=10 m=52
